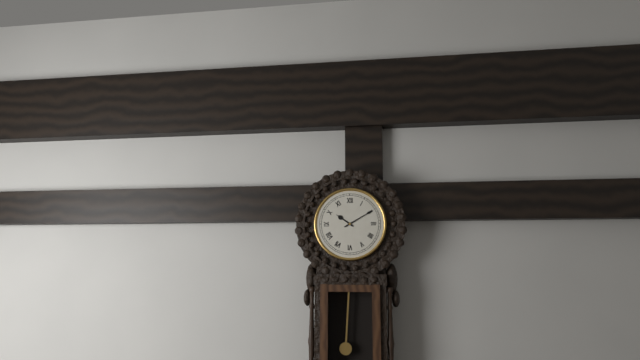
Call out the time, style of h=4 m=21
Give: h=10 m=10
